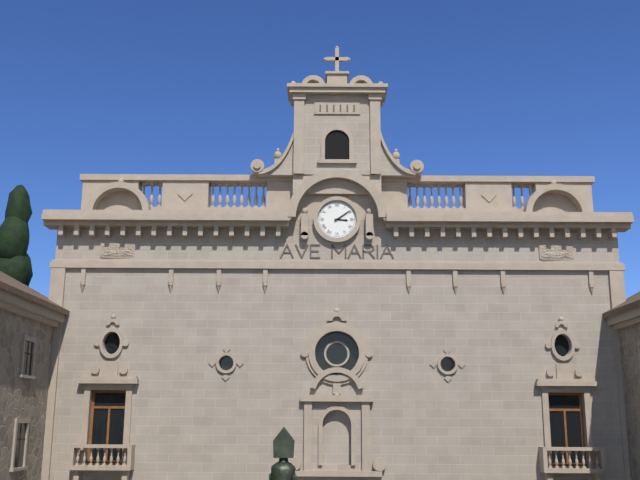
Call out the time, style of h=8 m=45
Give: h=3 m=9
